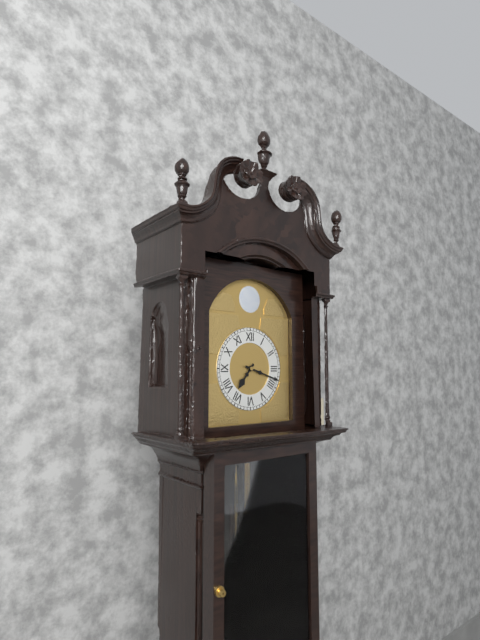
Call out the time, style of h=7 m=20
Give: h=7 m=18
